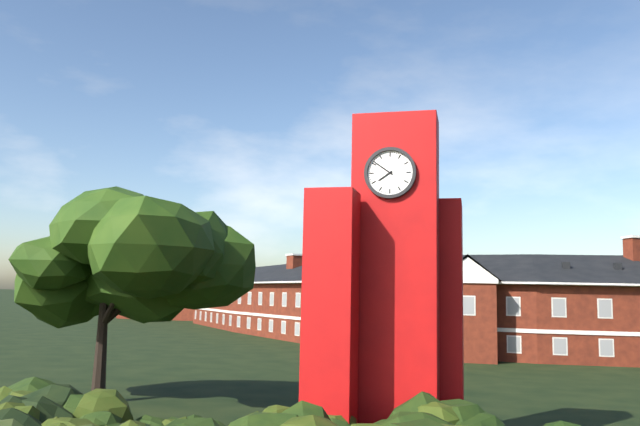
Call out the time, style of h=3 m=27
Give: h=7 m=51
